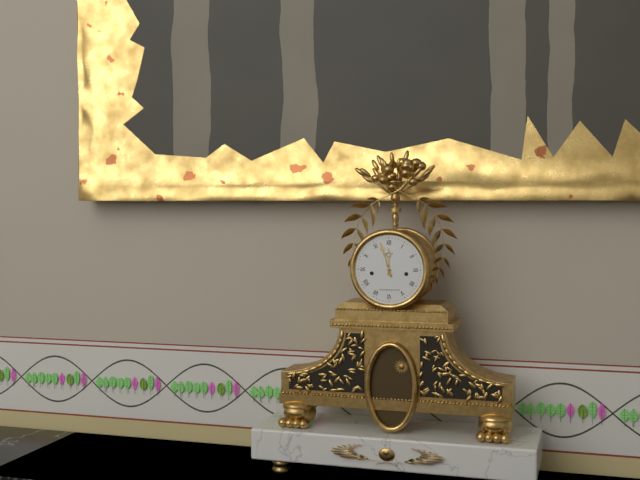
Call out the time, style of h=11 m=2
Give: h=11 m=57
